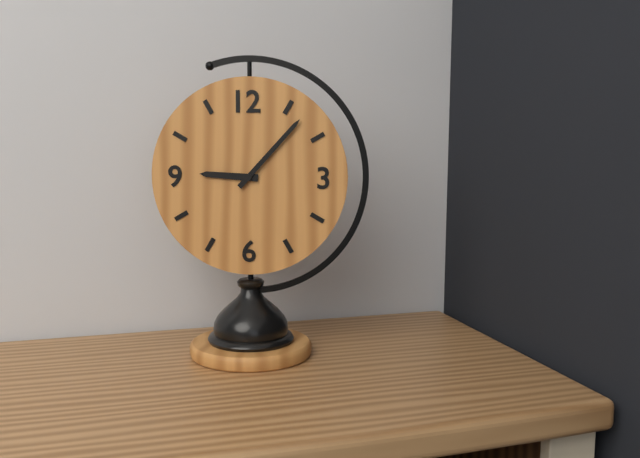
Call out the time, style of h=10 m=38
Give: h=9 m=7
